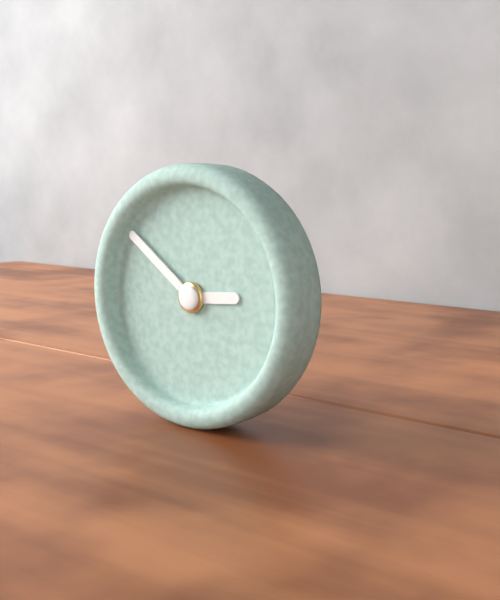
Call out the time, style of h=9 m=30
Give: h=2 m=51
